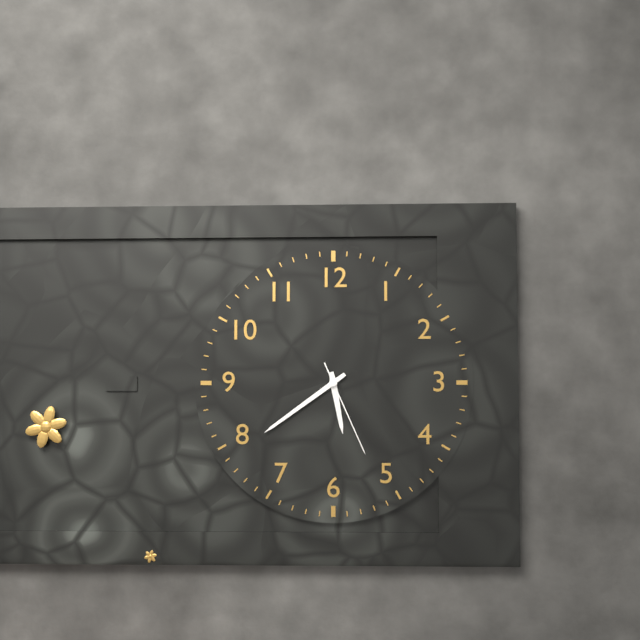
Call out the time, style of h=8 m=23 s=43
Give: h=5 m=39 s=26
